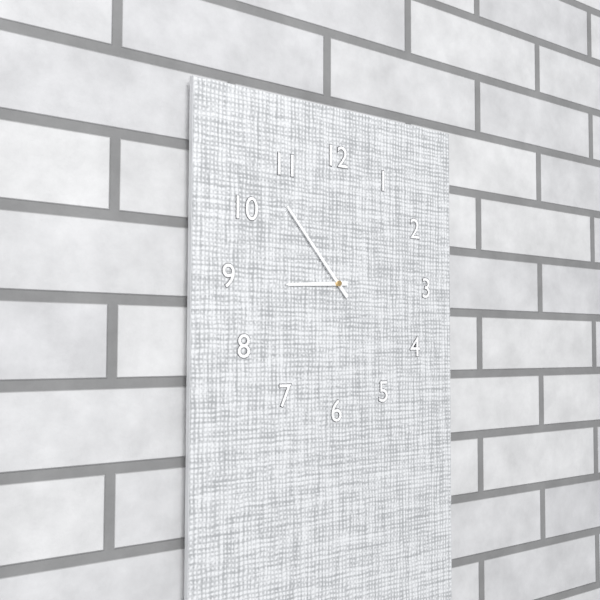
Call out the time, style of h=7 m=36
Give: h=8 m=53
